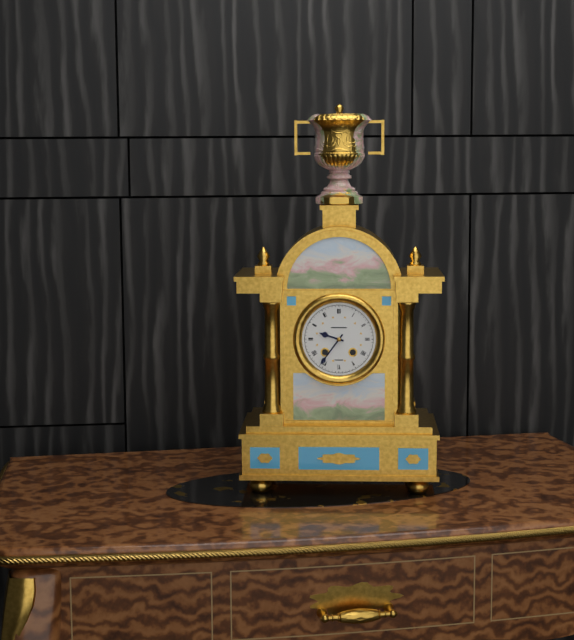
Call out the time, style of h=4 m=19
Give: h=9 m=36
